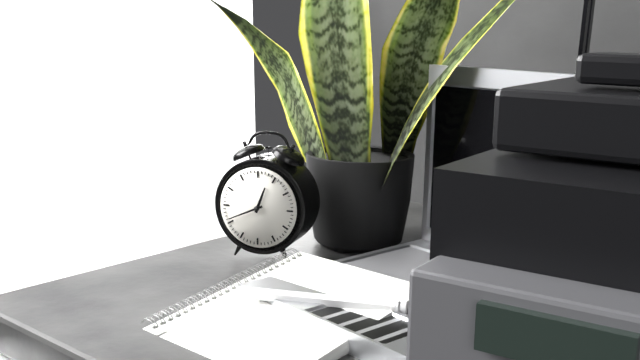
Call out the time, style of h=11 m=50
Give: h=12 m=41
